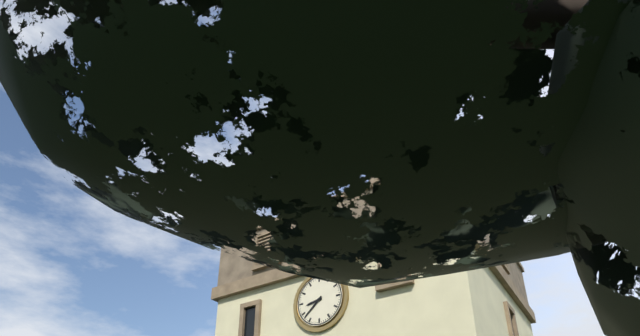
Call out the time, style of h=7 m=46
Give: h=8 m=38
